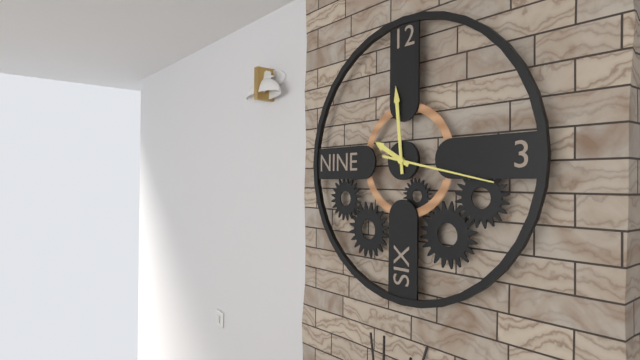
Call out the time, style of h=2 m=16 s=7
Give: h=9 m=59 s=17
